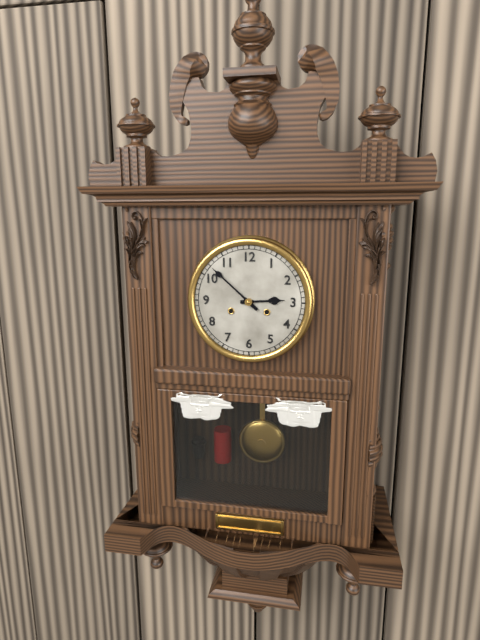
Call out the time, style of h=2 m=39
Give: h=2 m=52
